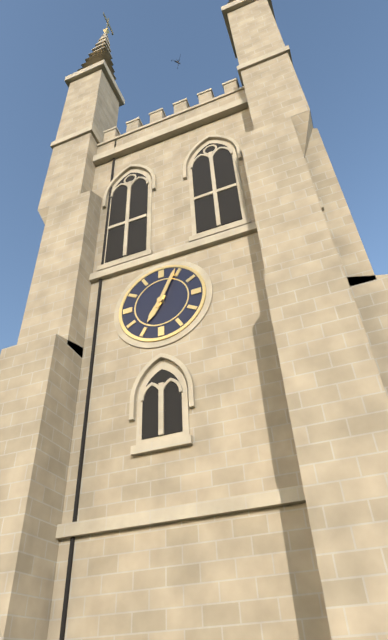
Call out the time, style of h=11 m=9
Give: h=7 m=4
